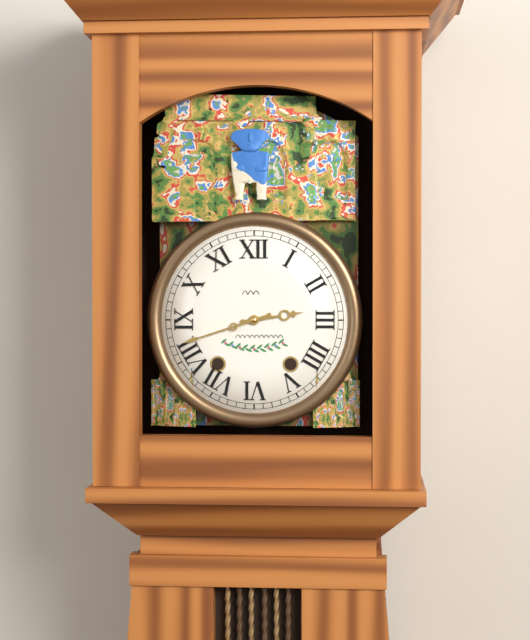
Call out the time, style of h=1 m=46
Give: h=2 m=42
